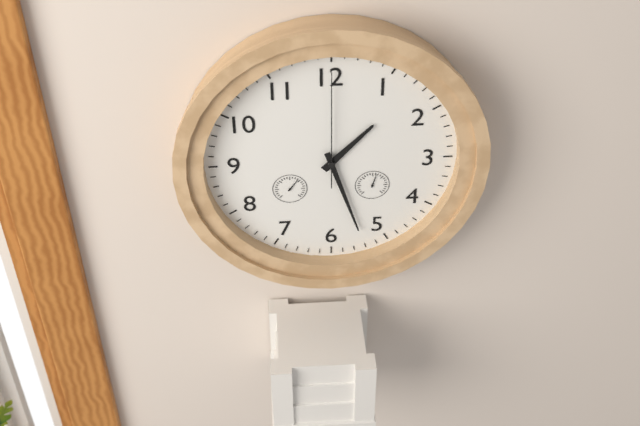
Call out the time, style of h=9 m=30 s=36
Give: h=1 m=27 s=0
